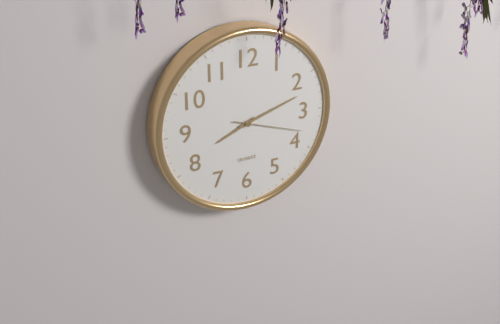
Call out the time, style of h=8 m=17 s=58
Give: h=8 m=12 s=18
